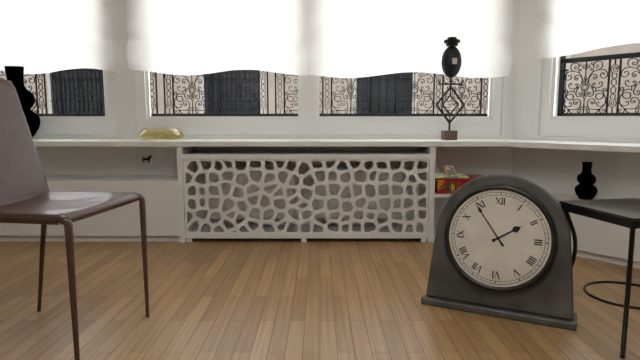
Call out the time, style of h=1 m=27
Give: h=1 m=54
